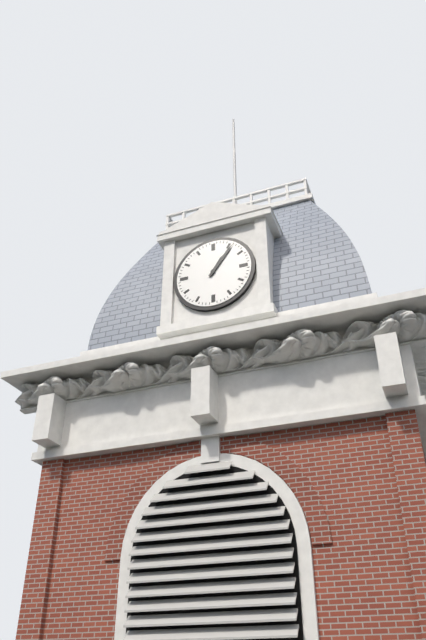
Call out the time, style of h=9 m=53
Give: h=1 m=6
